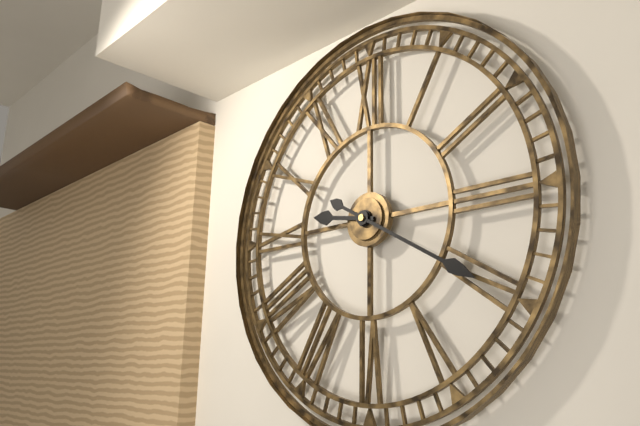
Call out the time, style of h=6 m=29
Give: h=9 m=20
